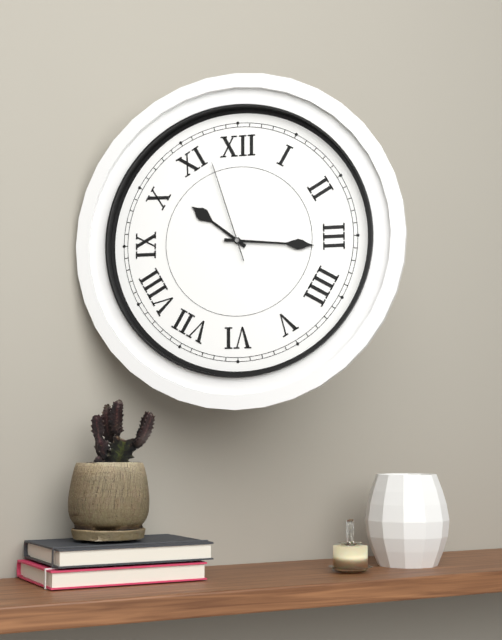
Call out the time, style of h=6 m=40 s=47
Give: h=10 m=16 s=57
